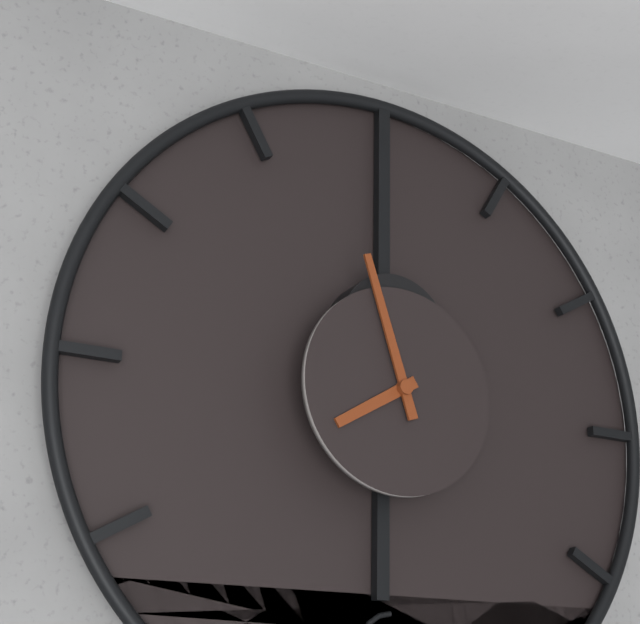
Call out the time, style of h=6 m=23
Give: h=7 m=57
